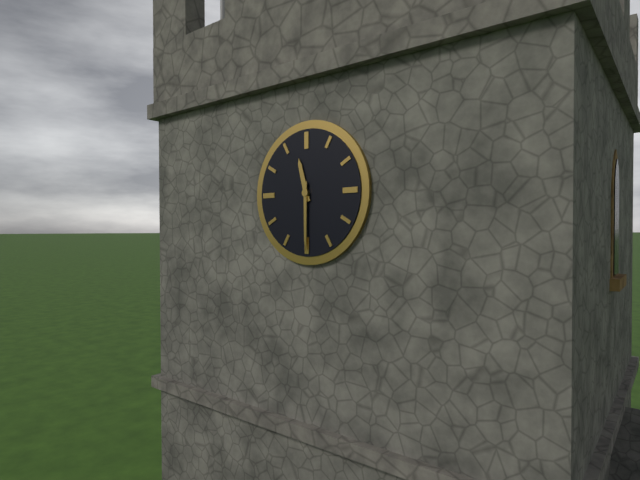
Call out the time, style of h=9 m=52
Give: h=11 m=30
